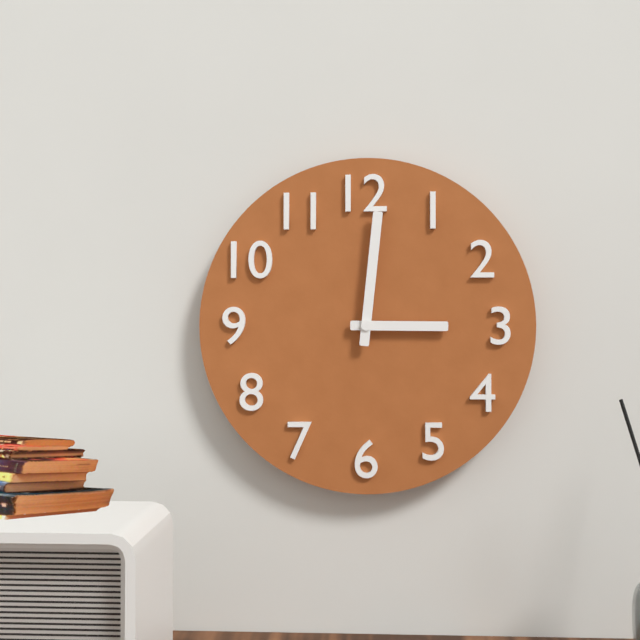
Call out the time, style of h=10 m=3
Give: h=3 m=1
